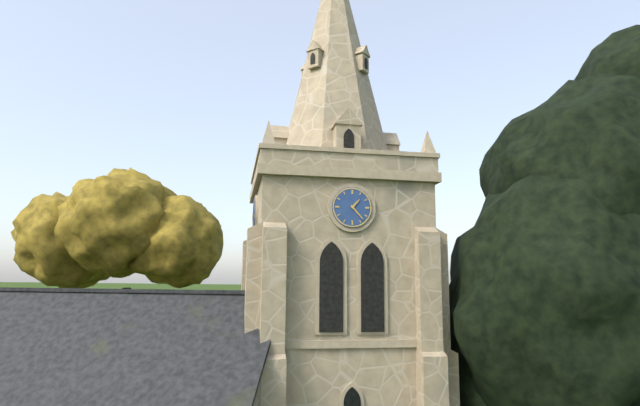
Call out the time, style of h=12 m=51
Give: h=1 m=23
